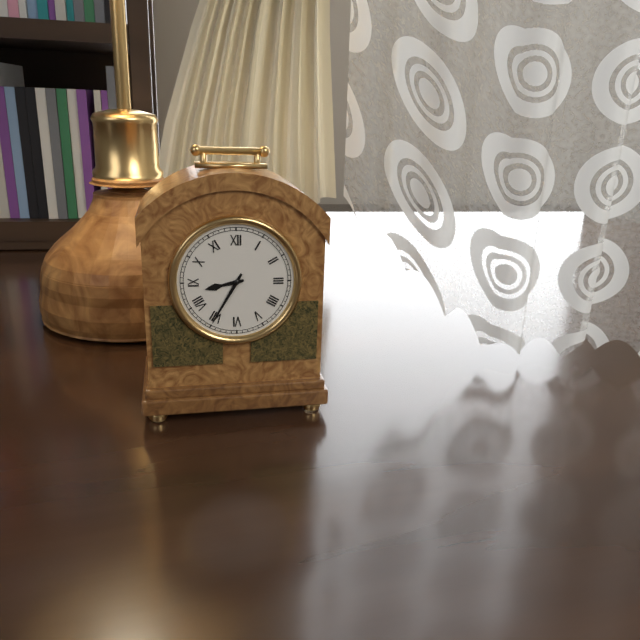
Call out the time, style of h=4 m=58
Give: h=8 m=35
